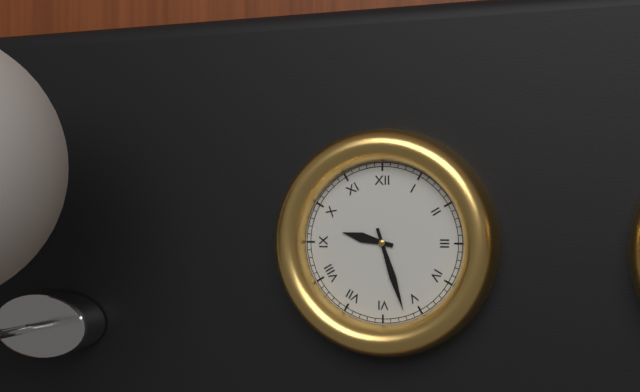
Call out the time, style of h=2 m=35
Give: h=9 m=27
